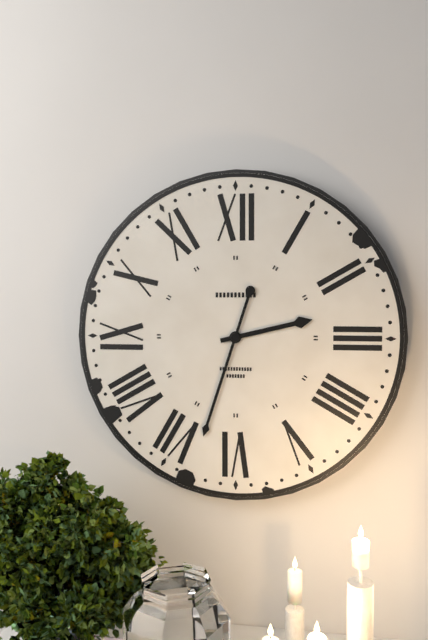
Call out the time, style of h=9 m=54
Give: h=2 m=33
